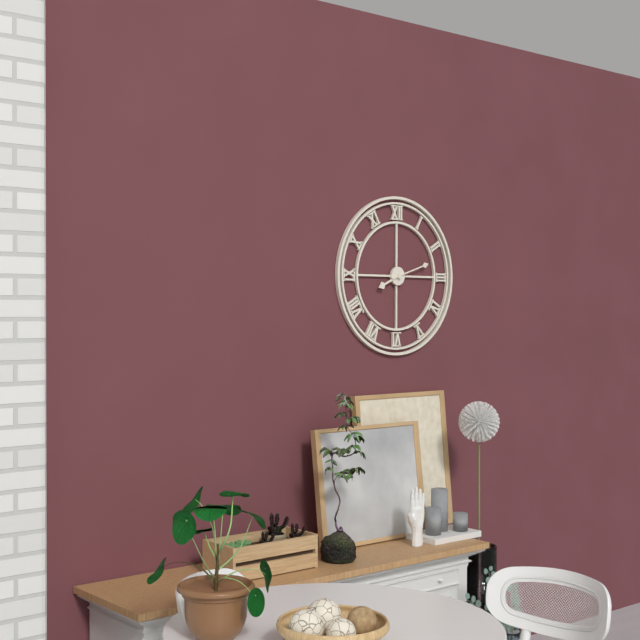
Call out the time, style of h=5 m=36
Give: h=8 m=12
